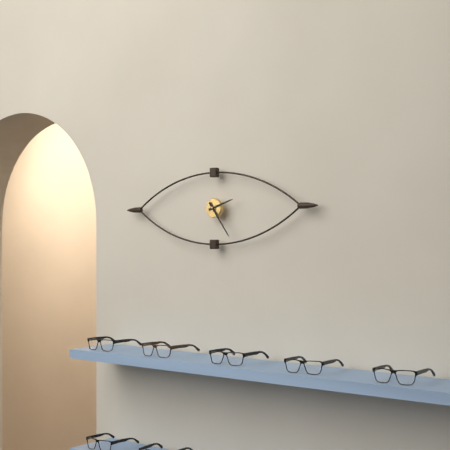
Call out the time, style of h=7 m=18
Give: h=2 m=24
